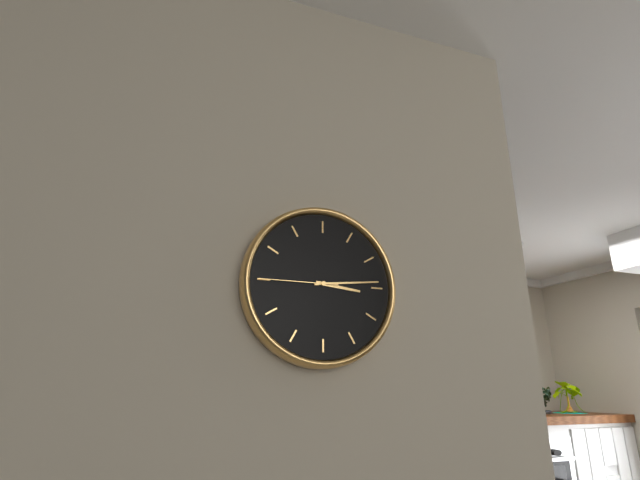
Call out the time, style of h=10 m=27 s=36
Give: h=3 m=14 s=45
